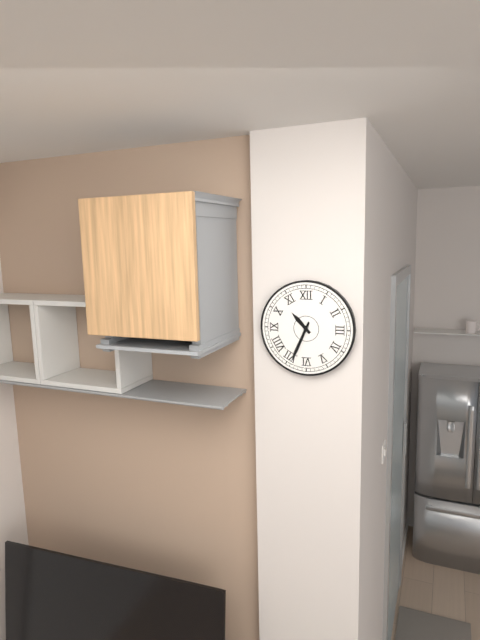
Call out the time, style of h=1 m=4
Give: h=10 m=34
